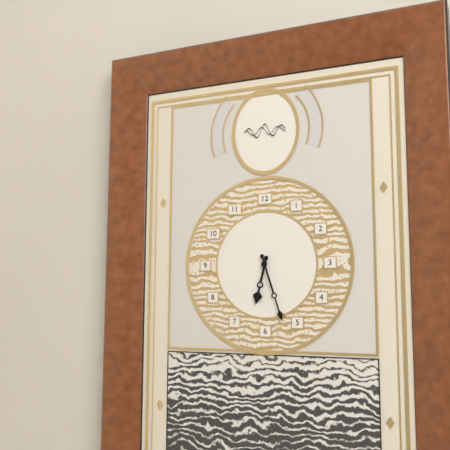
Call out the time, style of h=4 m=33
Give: h=6 m=27
